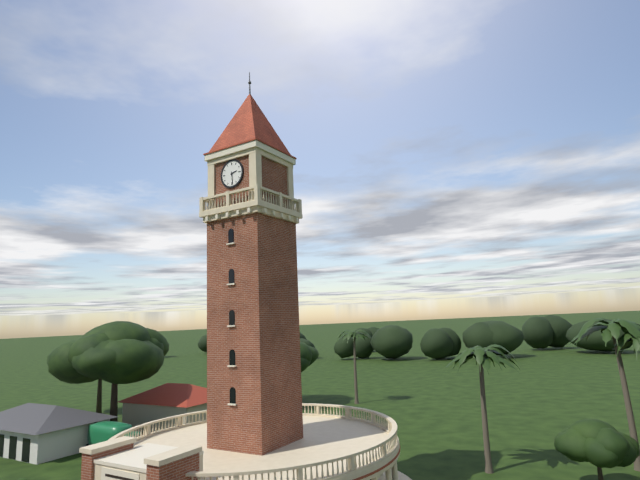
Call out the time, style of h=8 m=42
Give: h=2 m=29
